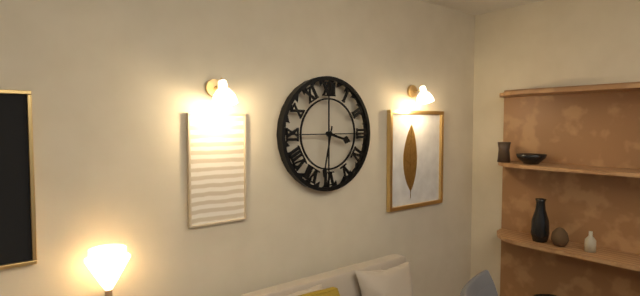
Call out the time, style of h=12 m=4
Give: h=3 m=32
